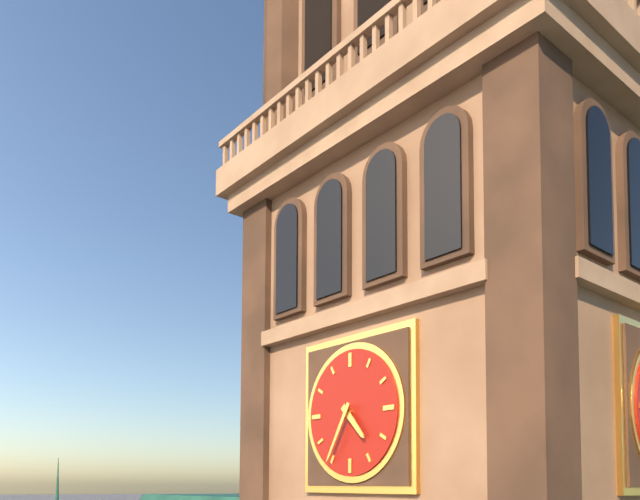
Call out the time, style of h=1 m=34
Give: h=4 m=35
